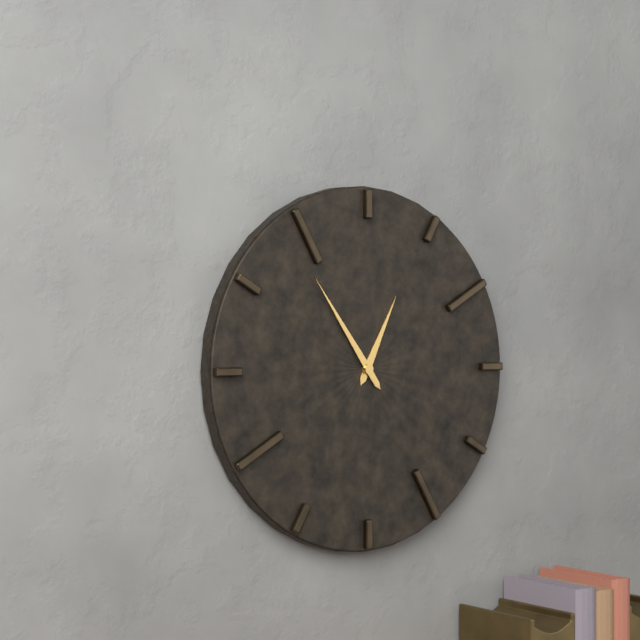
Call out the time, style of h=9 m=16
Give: h=12 m=54
